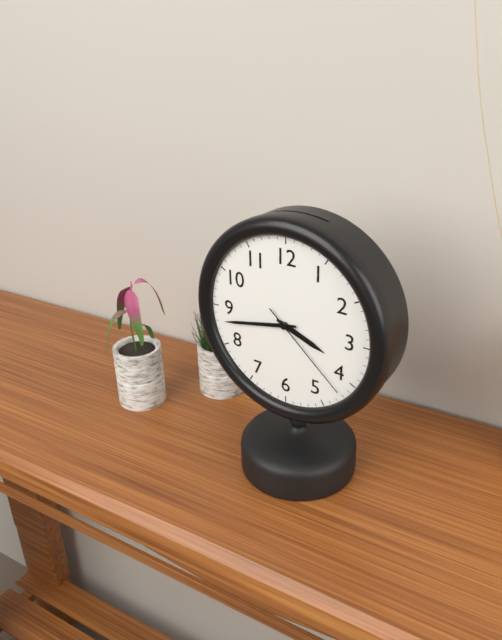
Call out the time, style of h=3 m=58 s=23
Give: h=3 m=43 s=22
